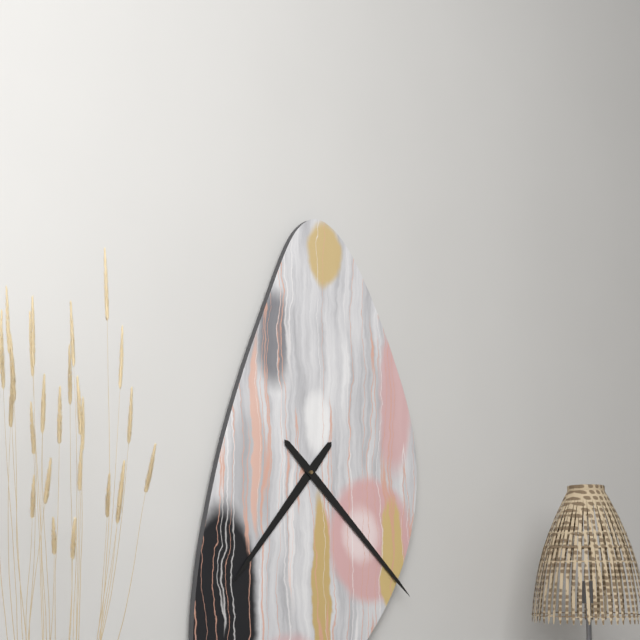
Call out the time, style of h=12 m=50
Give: h=7 m=22
